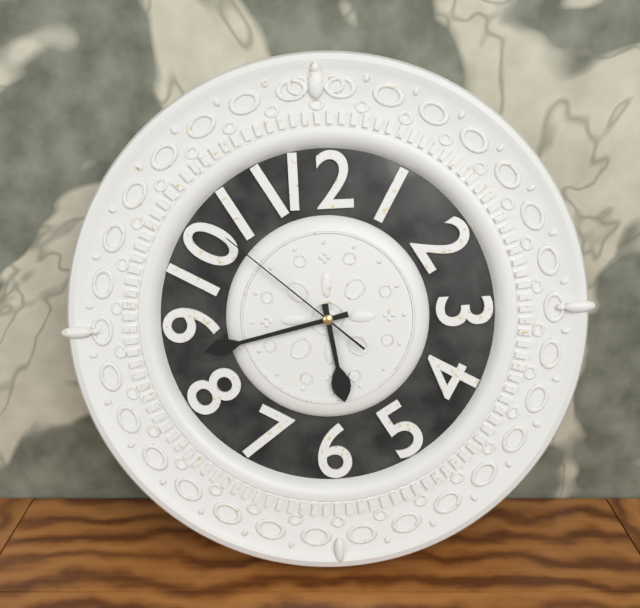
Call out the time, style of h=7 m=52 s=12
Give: h=5 m=43 s=52
